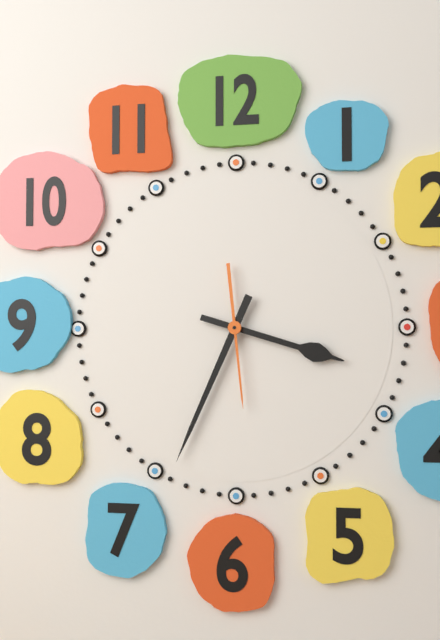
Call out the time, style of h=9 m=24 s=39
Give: h=3 m=34 s=29
